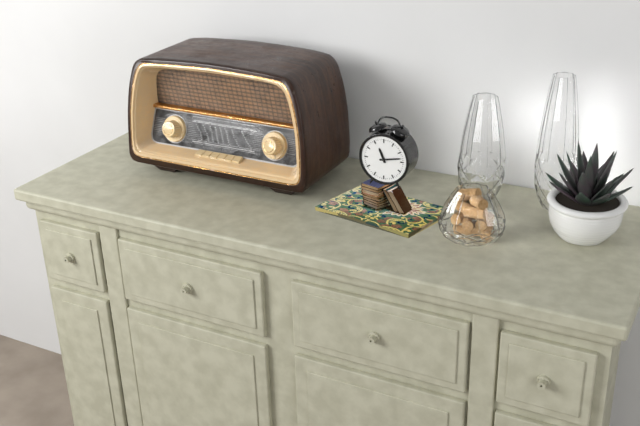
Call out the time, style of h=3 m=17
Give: h=11 m=13
